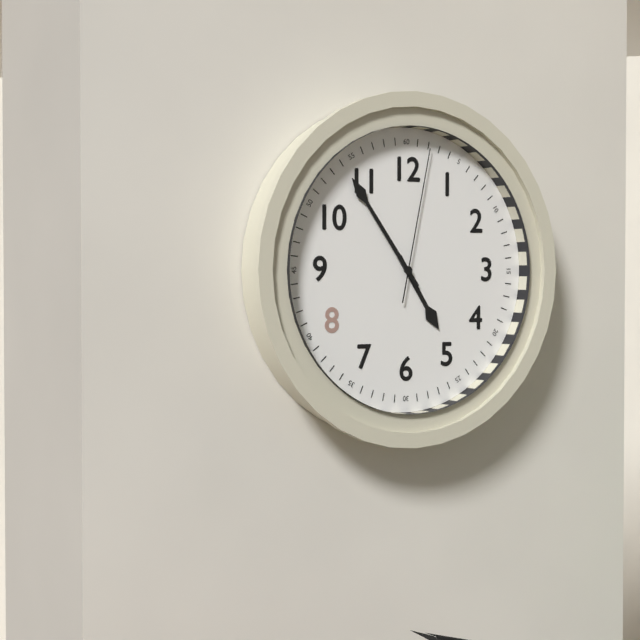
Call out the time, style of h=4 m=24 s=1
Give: h=4 m=54 s=2
